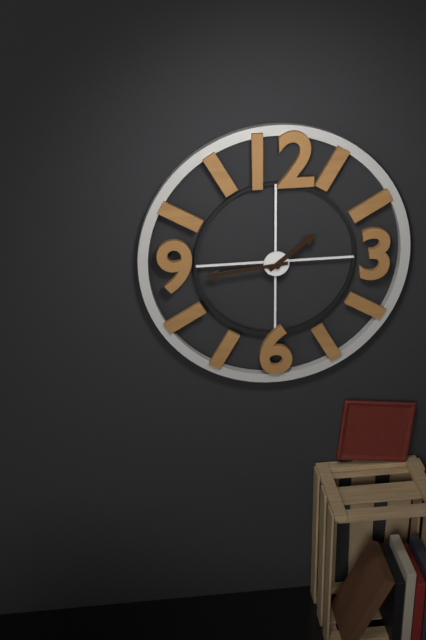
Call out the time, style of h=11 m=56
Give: h=1 m=44
